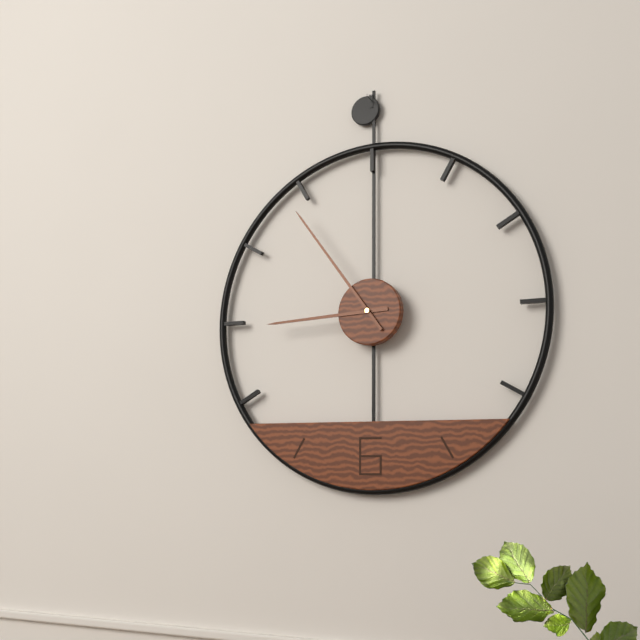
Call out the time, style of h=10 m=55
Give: h=8 m=54
